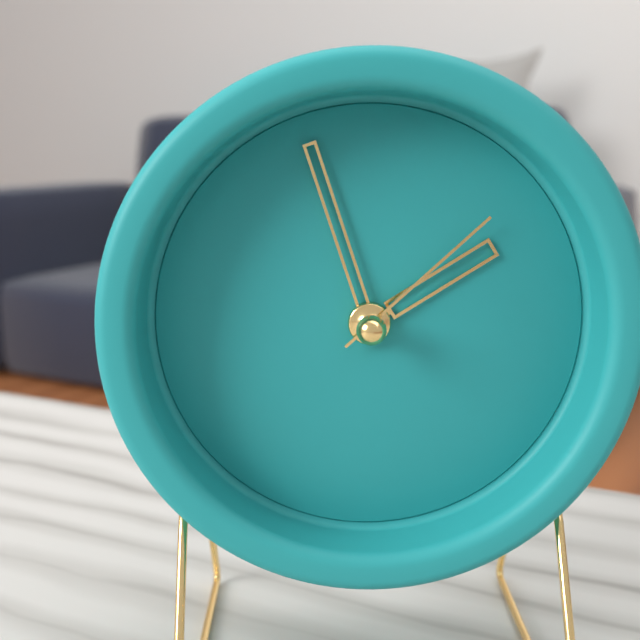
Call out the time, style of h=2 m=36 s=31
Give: h=1 m=57 s=8
